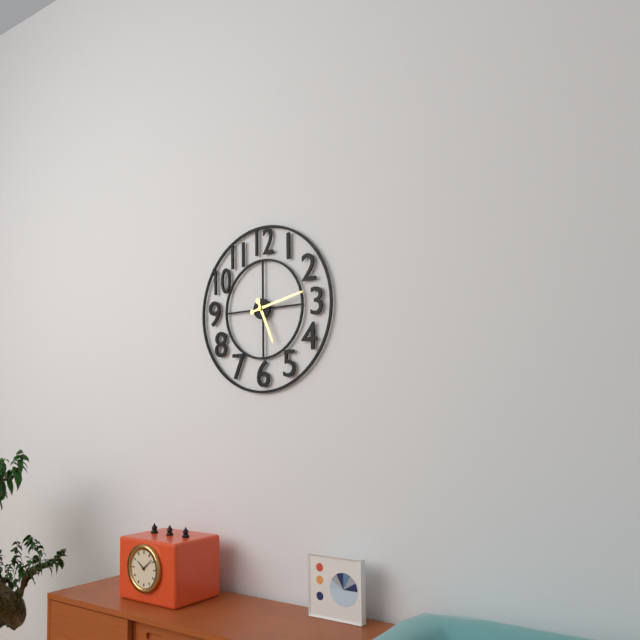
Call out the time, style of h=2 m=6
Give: h=5 m=13
